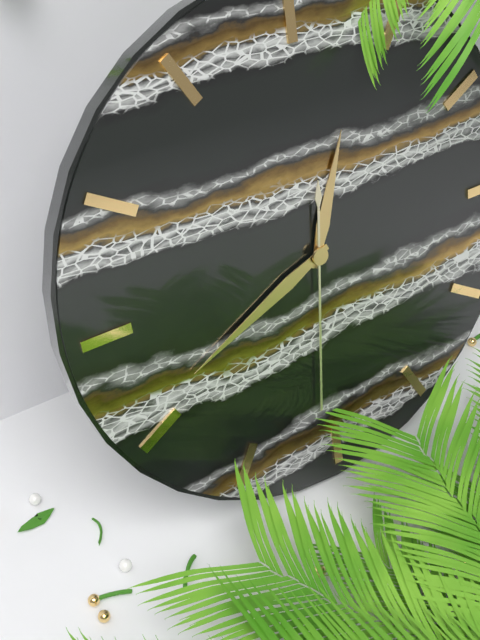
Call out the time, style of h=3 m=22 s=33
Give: h=12 m=41 s=31
